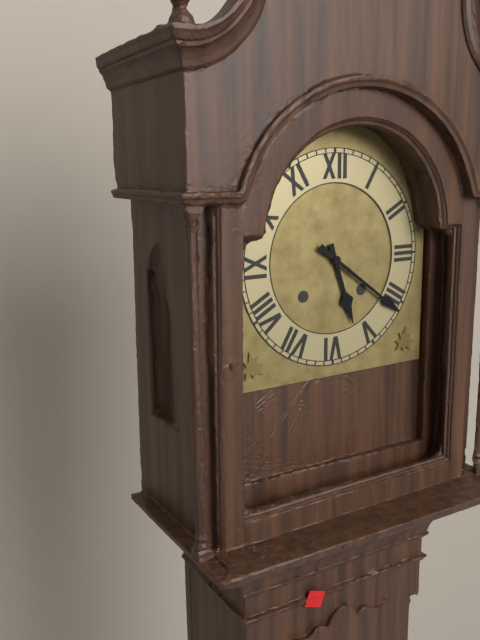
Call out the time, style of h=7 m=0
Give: h=5 m=21
